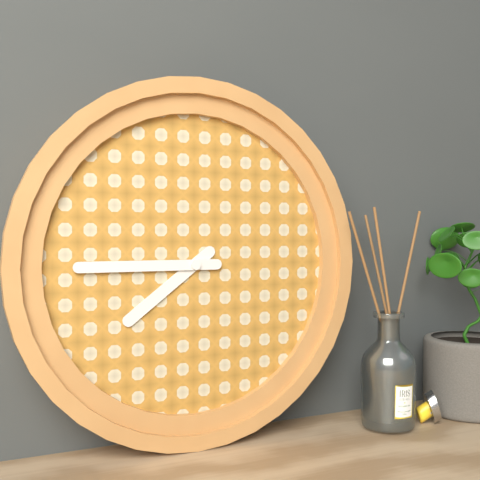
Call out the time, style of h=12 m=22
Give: h=7 m=45
